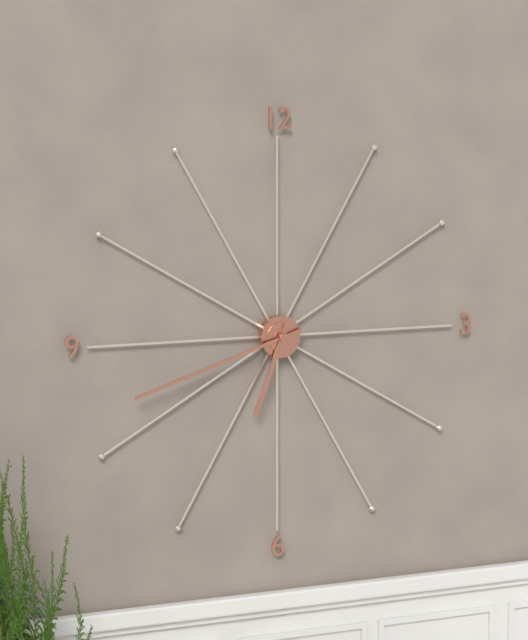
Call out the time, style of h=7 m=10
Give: h=6 m=42
